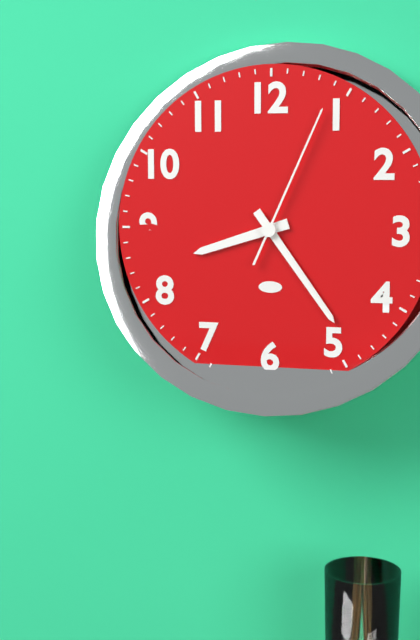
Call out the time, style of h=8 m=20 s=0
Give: h=8 m=24 s=4
